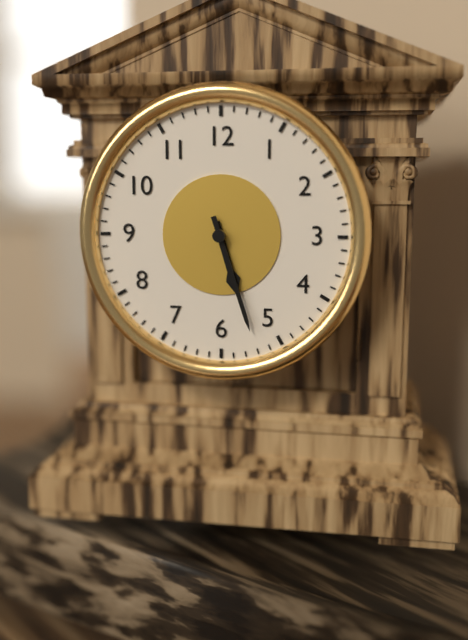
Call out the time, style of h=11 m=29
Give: h=5 m=27
